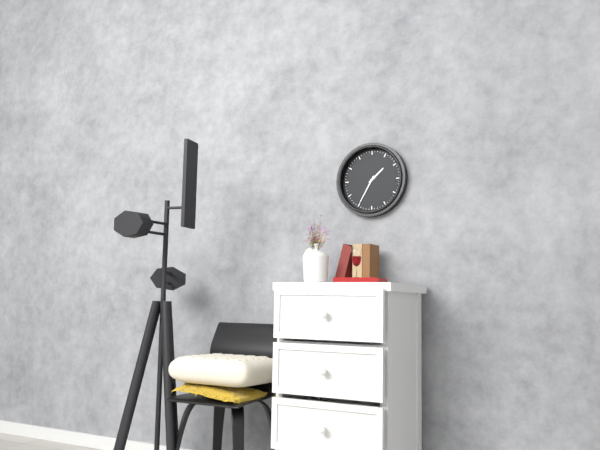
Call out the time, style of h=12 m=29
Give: h=1 m=35
